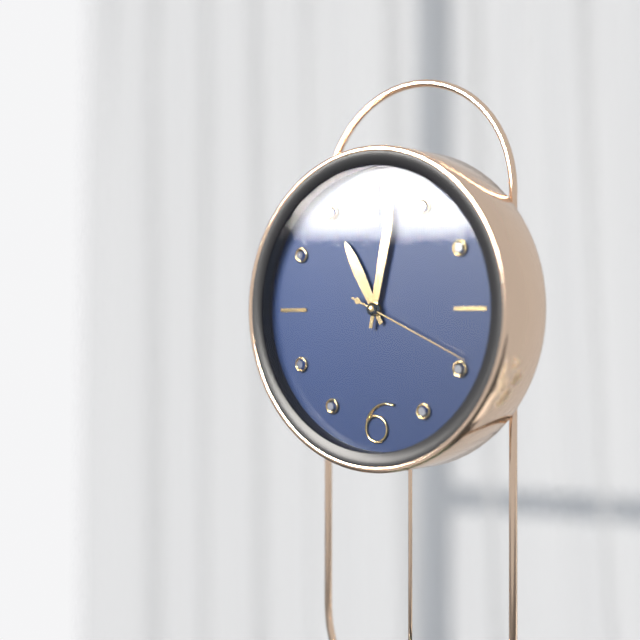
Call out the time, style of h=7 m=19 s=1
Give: h=11 m=2 s=19
